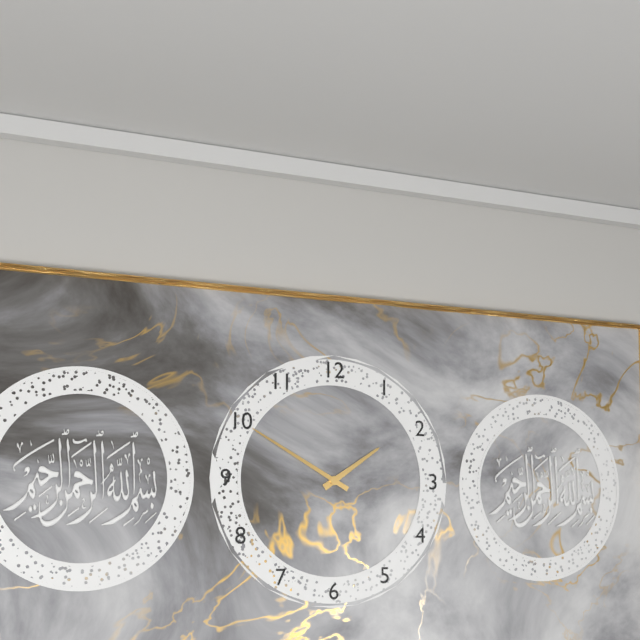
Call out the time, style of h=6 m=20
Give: h=1 m=50
